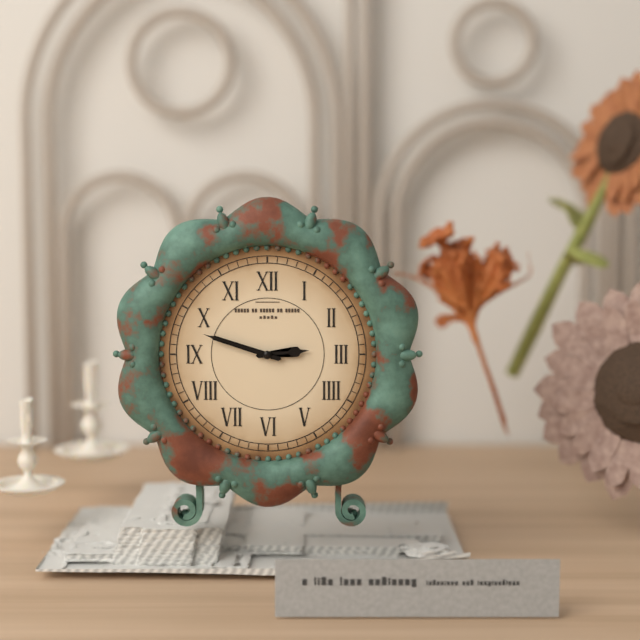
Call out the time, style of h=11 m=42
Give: h=2 m=48
